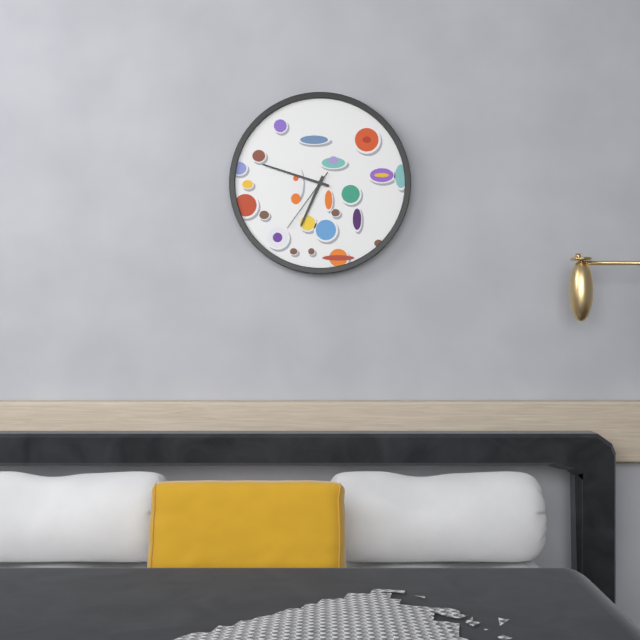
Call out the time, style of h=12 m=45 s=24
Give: h=6 m=48 s=36
